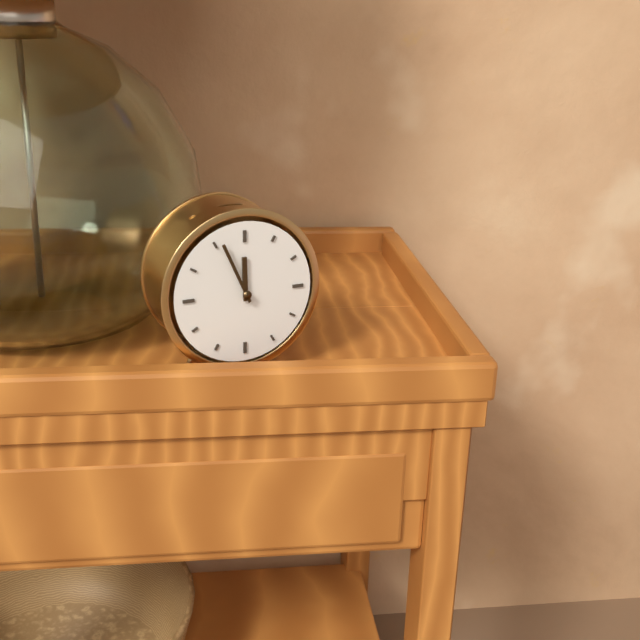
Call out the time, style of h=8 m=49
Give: h=11 m=56
